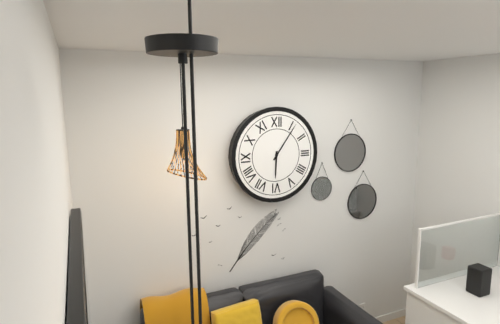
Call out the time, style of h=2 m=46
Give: h=6 m=6
